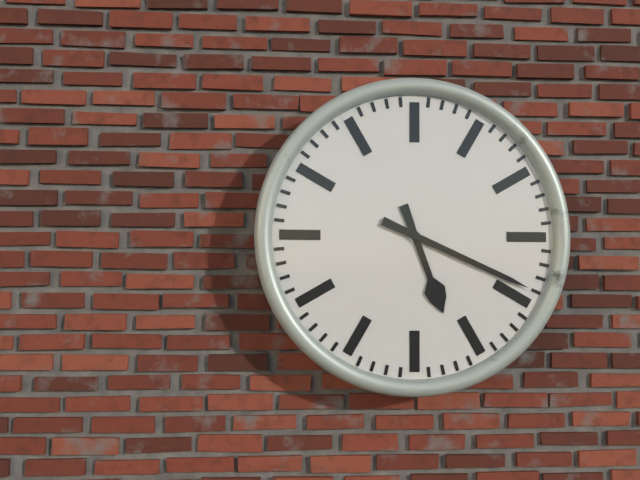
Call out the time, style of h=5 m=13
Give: h=5 m=19
